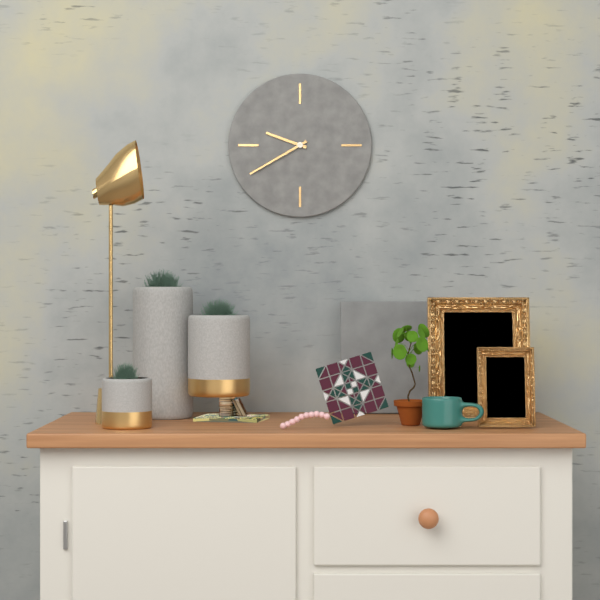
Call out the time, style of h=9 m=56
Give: h=9 m=40
